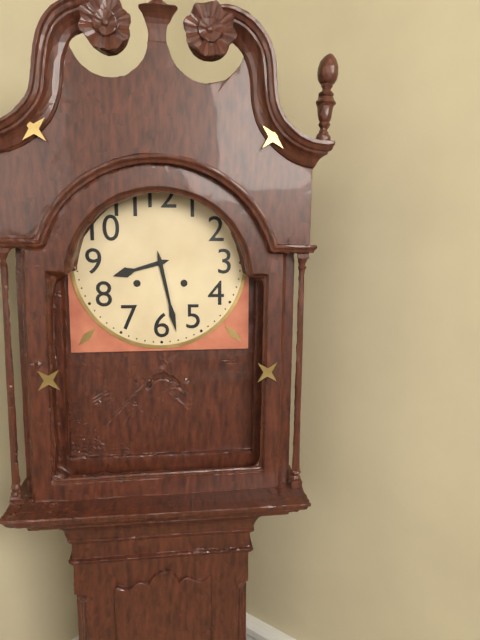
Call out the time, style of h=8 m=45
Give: h=8 m=28
